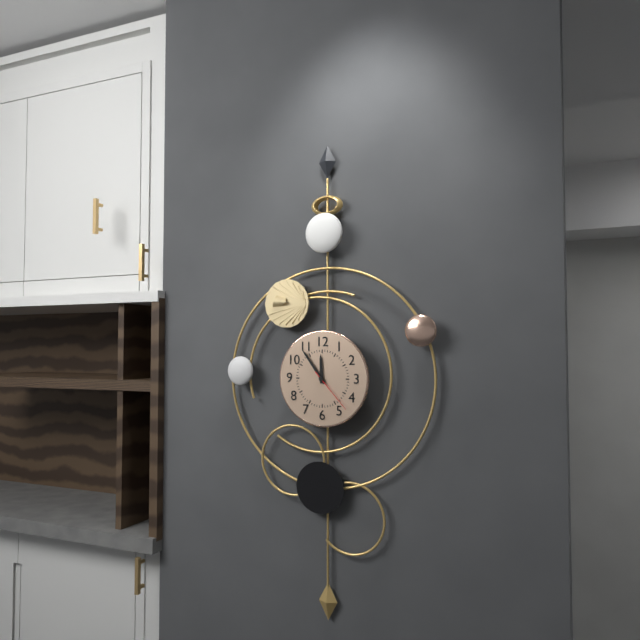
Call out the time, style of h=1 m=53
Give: h=11 m=54
